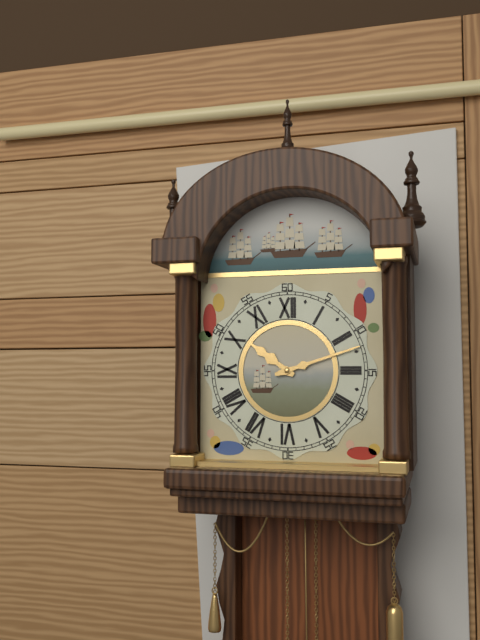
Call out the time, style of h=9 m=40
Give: h=10 m=12
